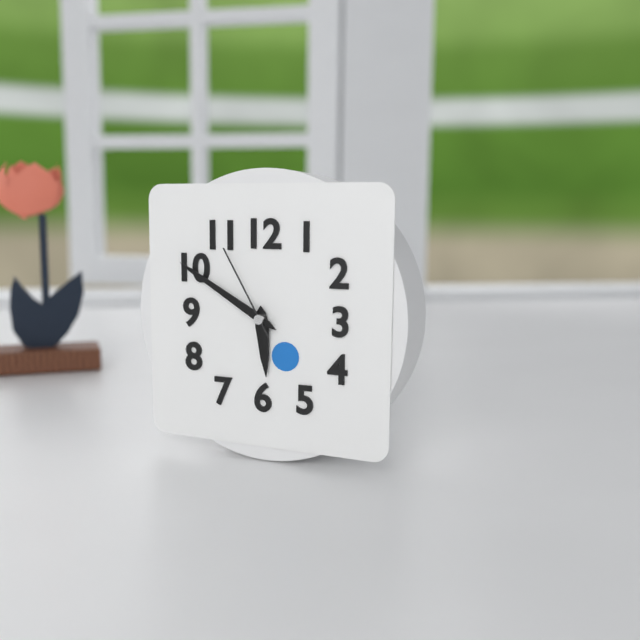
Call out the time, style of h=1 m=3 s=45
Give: h=5 m=50 s=55
